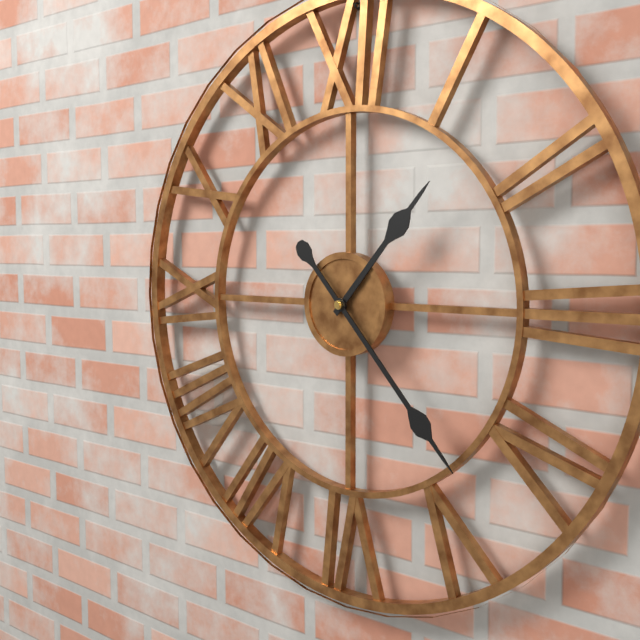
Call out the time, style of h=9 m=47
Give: h=1 m=23
